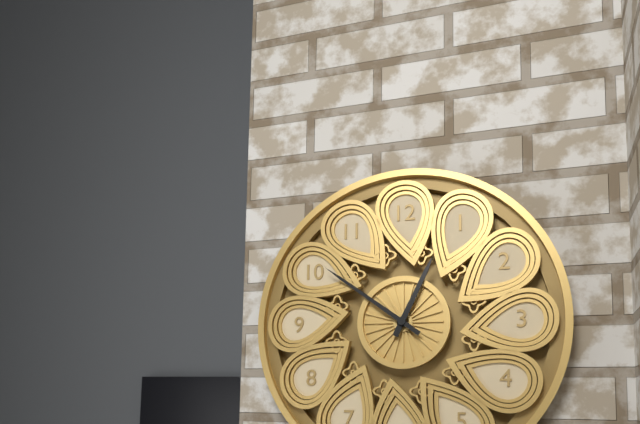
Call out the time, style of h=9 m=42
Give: h=12 m=51
